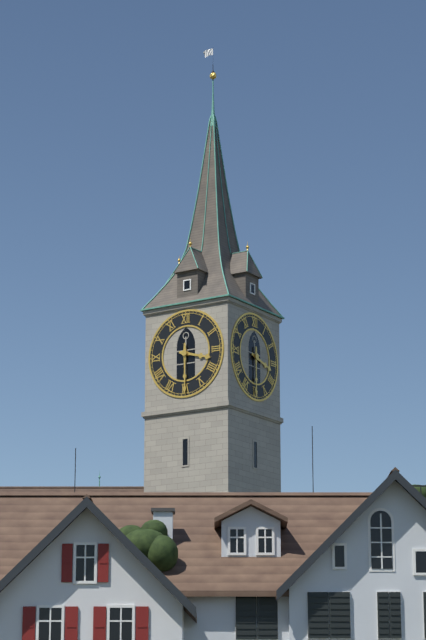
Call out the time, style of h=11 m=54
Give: h=3 m=30
